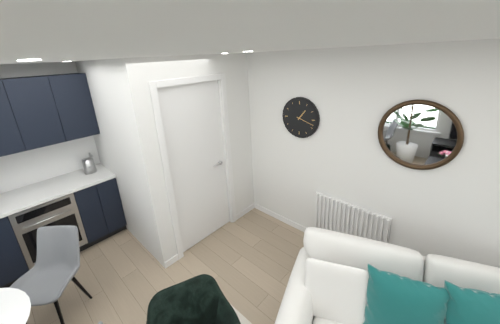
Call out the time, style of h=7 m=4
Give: h=1 m=18
